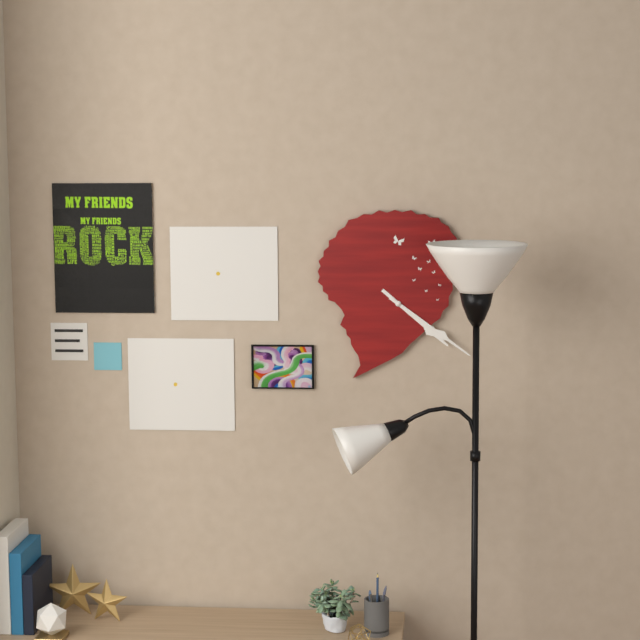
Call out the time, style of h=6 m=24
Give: h=4 m=21
